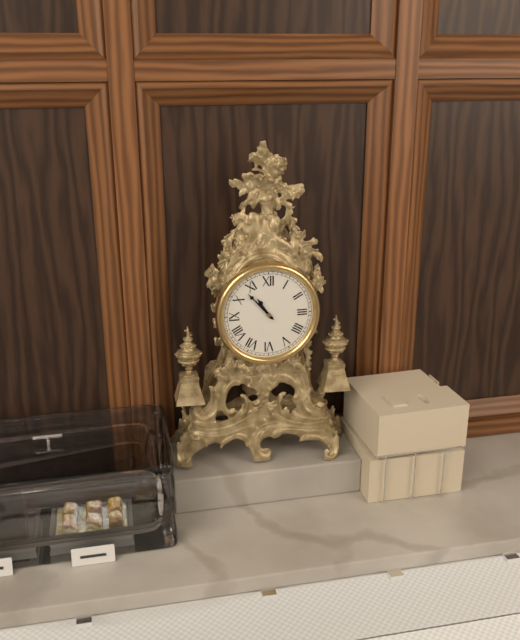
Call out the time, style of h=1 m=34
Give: h=10 m=53
